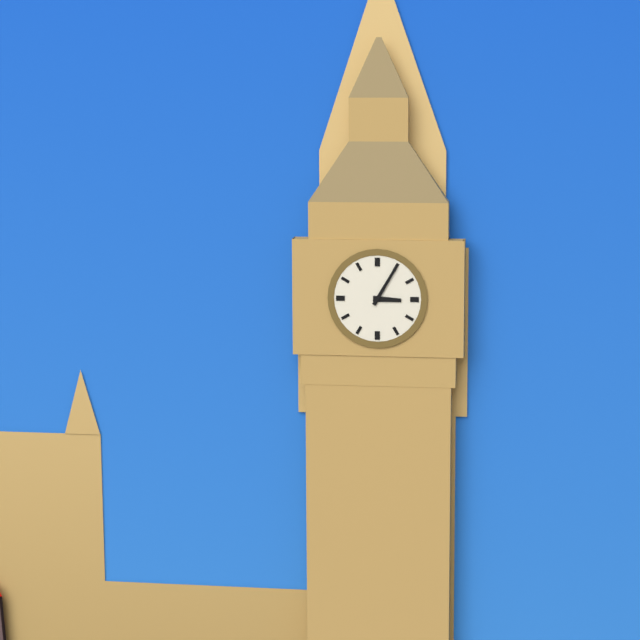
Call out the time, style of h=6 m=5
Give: h=3 m=5
